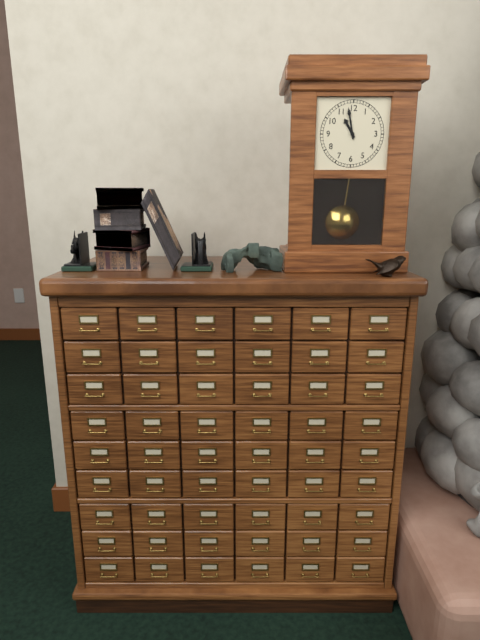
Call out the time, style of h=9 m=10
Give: h=10 m=58
